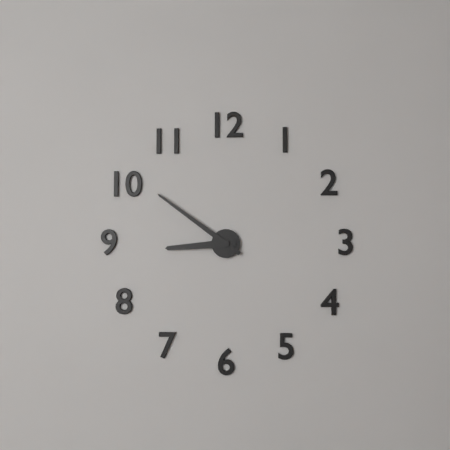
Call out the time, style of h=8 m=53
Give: h=8 m=51
